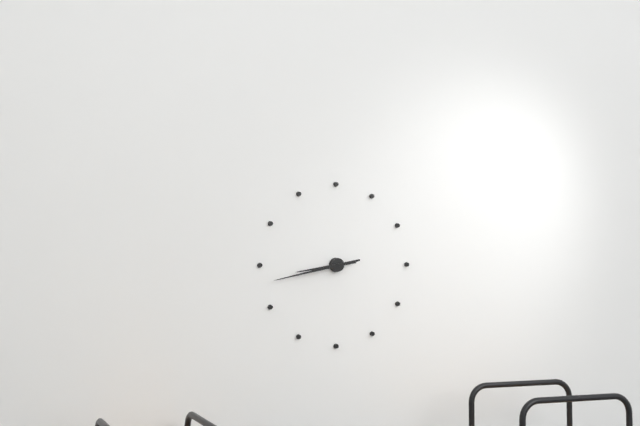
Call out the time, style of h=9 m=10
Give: h=8 m=43
